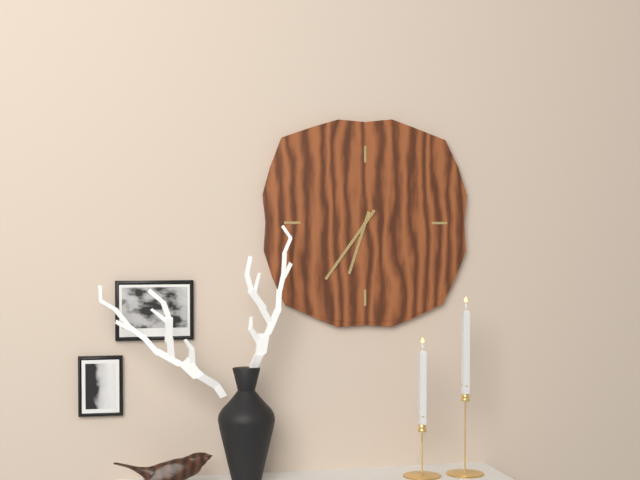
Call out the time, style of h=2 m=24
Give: h=6 m=36
